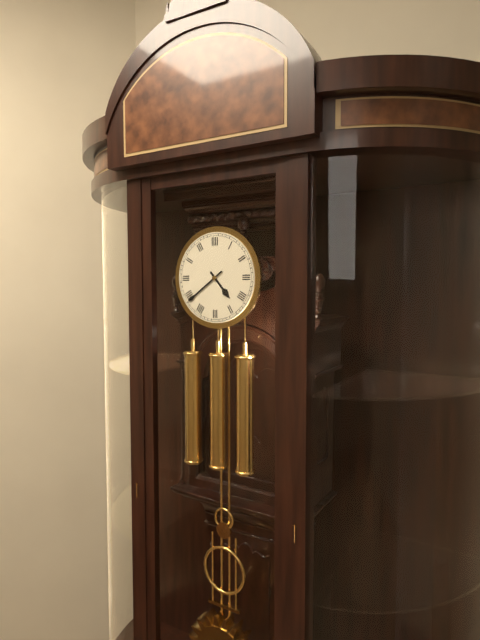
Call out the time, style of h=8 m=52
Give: h=4 m=39
